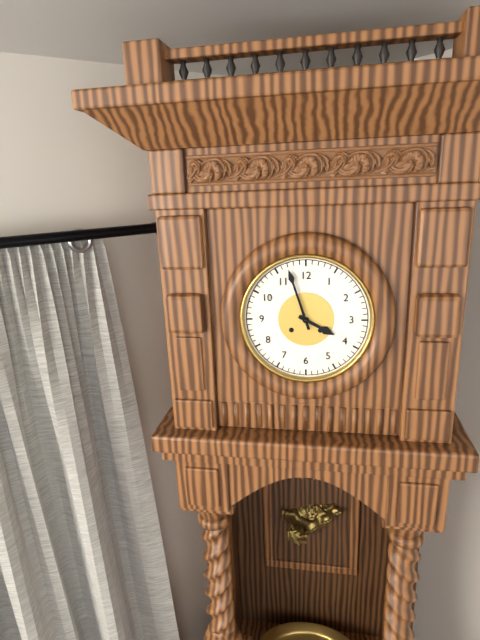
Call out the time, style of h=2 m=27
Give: h=3 m=57
